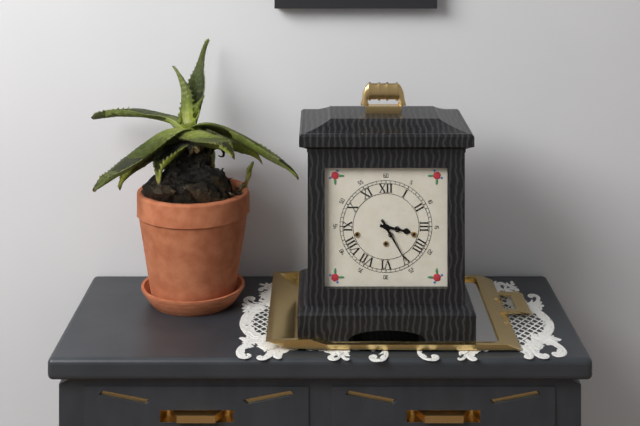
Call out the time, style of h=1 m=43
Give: h=3 m=25
